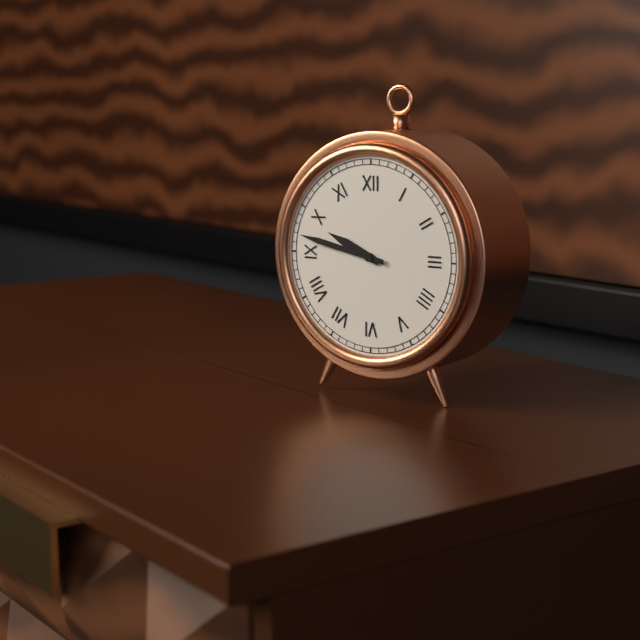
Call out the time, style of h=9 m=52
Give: h=9 m=47
